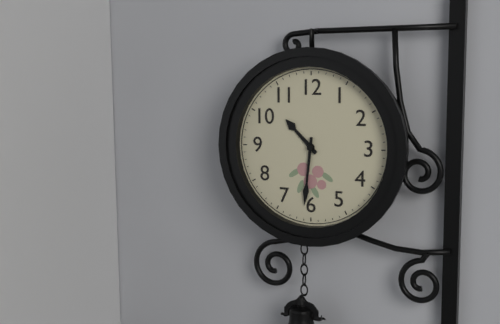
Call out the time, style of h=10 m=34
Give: h=10 m=31
